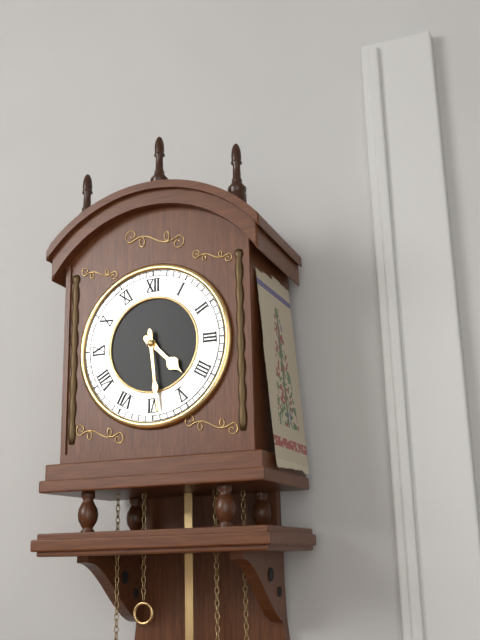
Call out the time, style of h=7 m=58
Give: h=4 m=29
